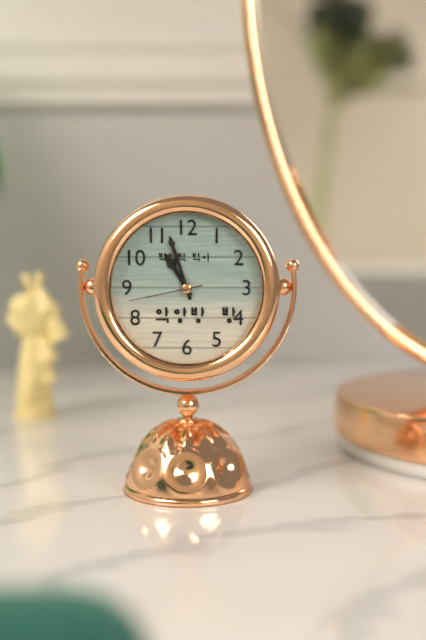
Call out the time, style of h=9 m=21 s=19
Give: h=10 m=57 s=43
